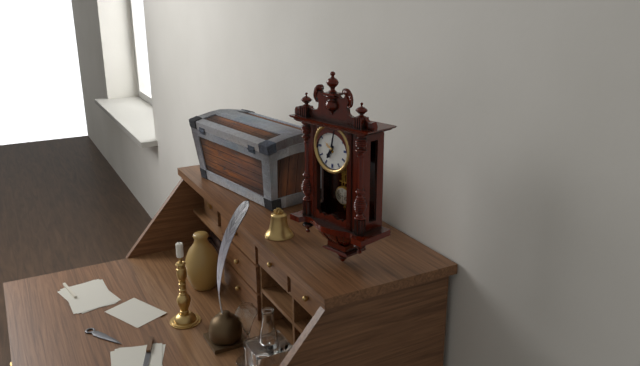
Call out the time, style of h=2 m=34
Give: h=7 m=2
